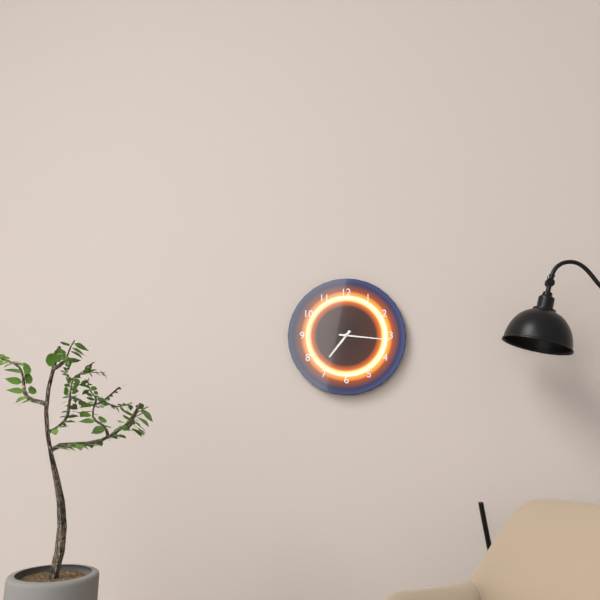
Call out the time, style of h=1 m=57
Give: h=7 m=16
